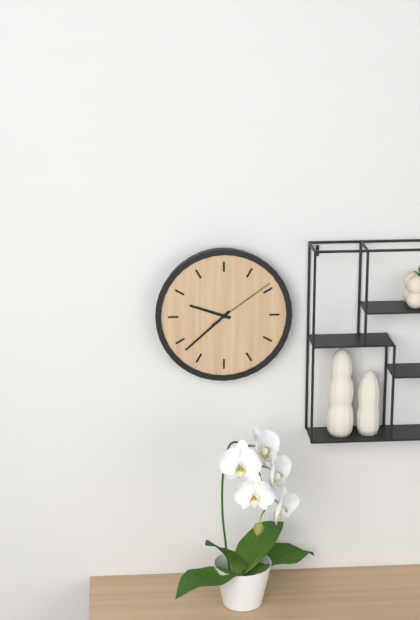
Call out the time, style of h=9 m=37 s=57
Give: h=9 m=38 s=9
